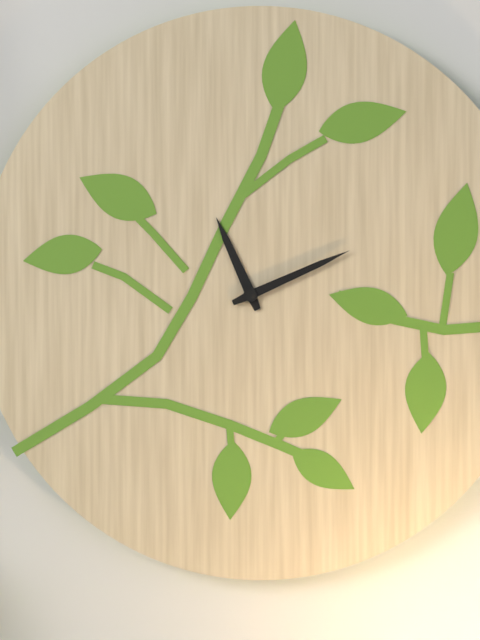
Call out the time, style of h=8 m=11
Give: h=11 m=11
